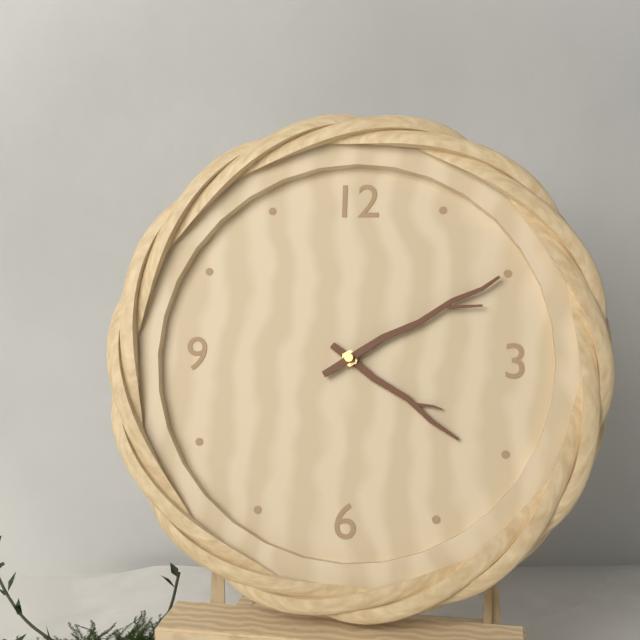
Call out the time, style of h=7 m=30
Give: h=4 m=10
